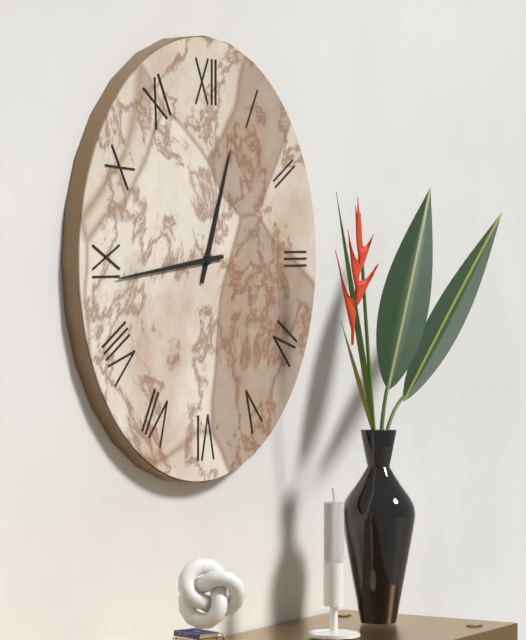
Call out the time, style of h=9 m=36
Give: h=12 m=44
